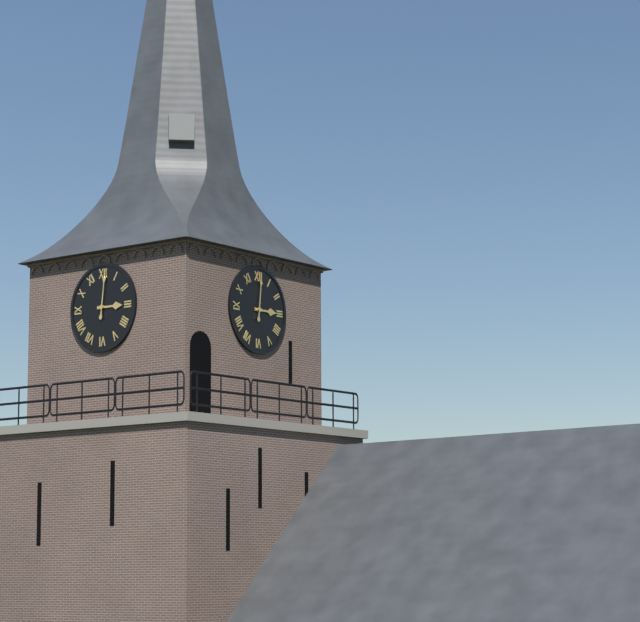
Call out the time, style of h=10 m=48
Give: h=3 m=1
